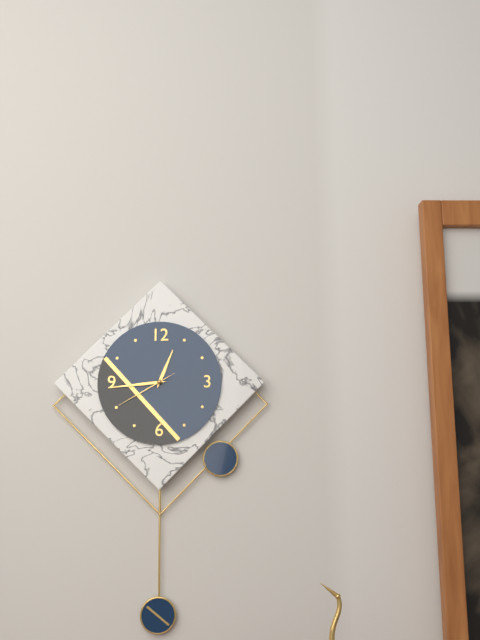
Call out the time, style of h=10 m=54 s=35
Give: h=12 m=44 s=40
